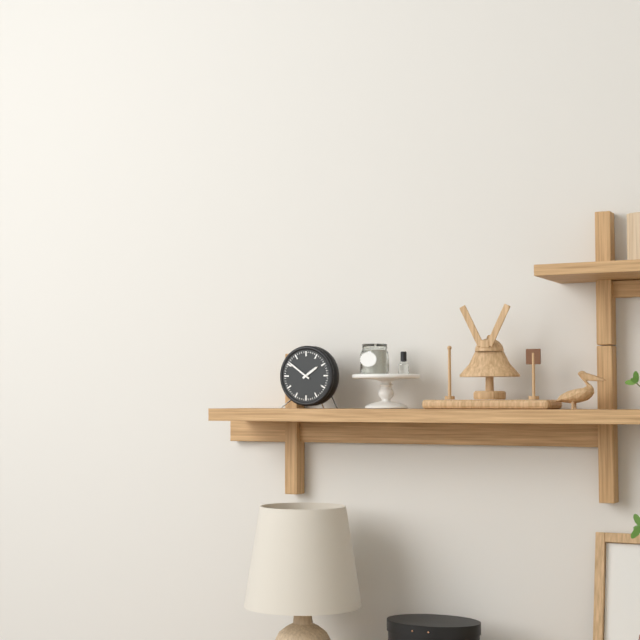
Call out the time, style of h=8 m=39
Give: h=1 m=51
